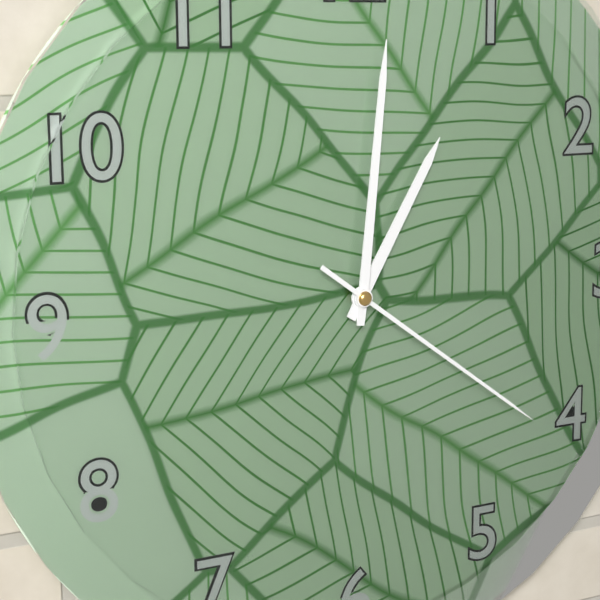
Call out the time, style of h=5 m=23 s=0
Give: h=1 m=1 s=21
